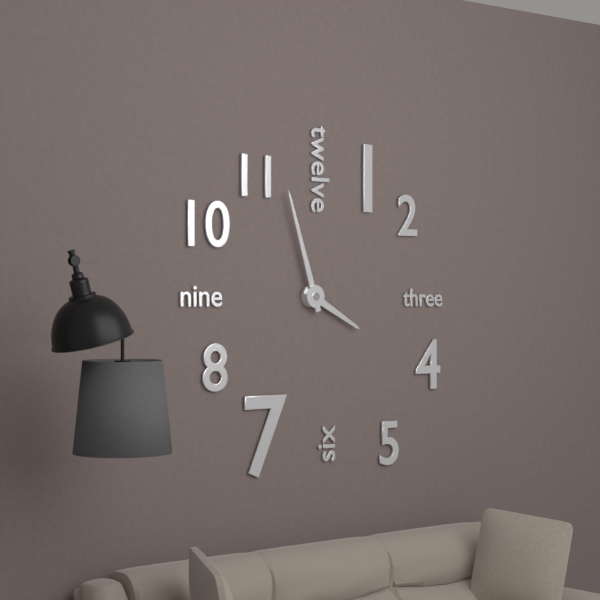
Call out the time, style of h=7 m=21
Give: h=3 m=57
